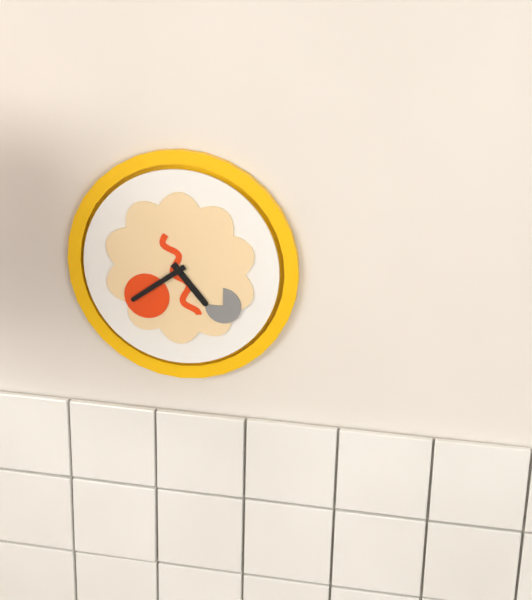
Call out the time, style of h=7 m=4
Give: h=4 m=39
